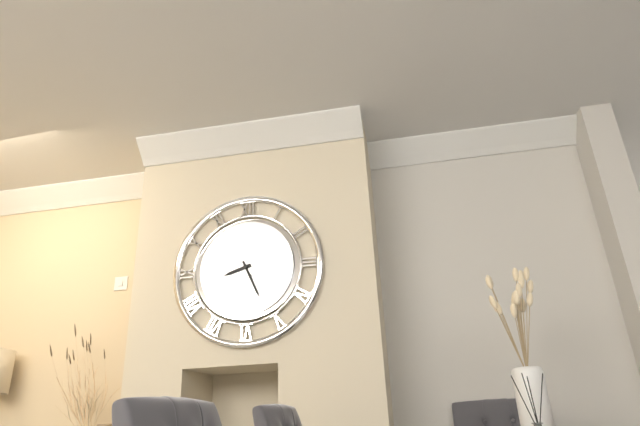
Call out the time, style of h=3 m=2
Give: h=8 m=26
